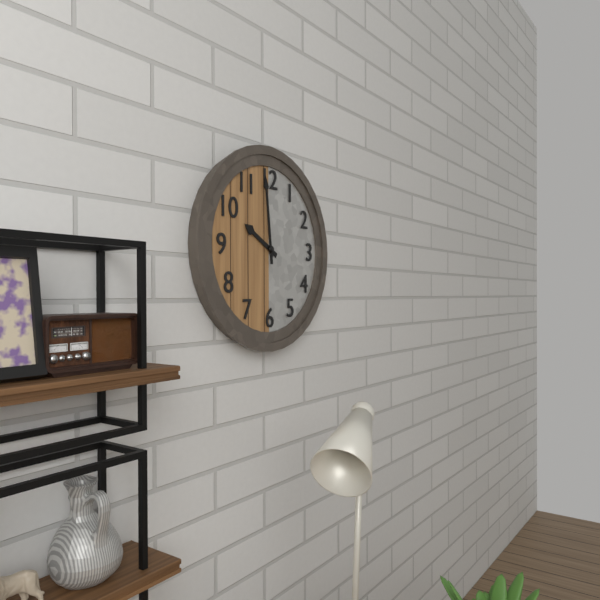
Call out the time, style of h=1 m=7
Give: h=9 m=59
